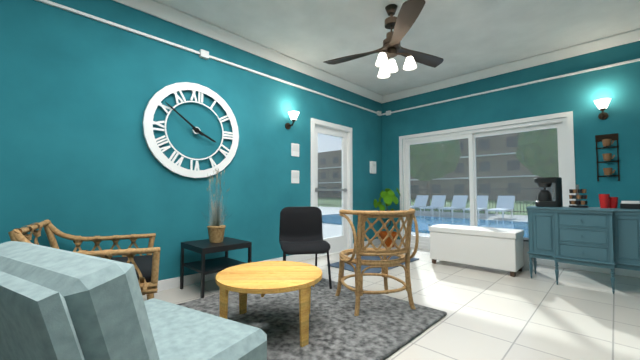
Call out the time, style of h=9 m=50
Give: h=3 m=51
